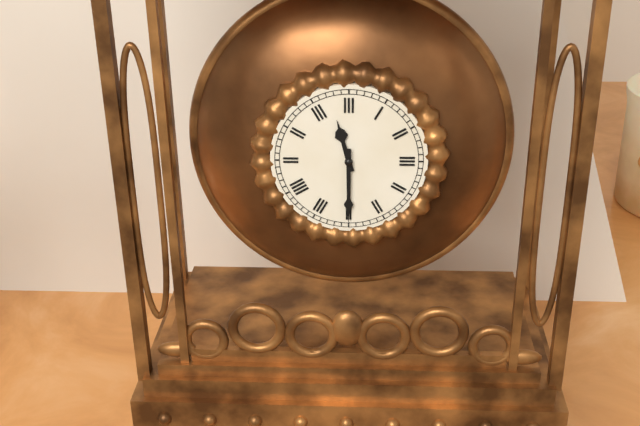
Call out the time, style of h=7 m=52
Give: h=11 m=30
